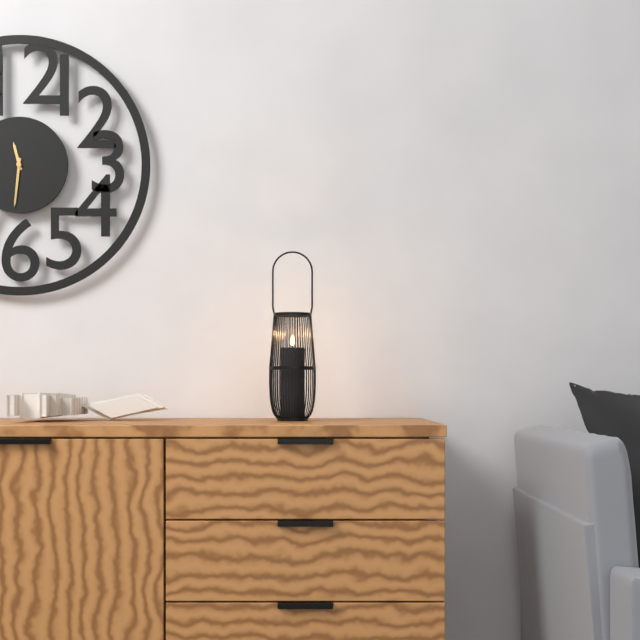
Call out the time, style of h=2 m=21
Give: h=11 m=31
